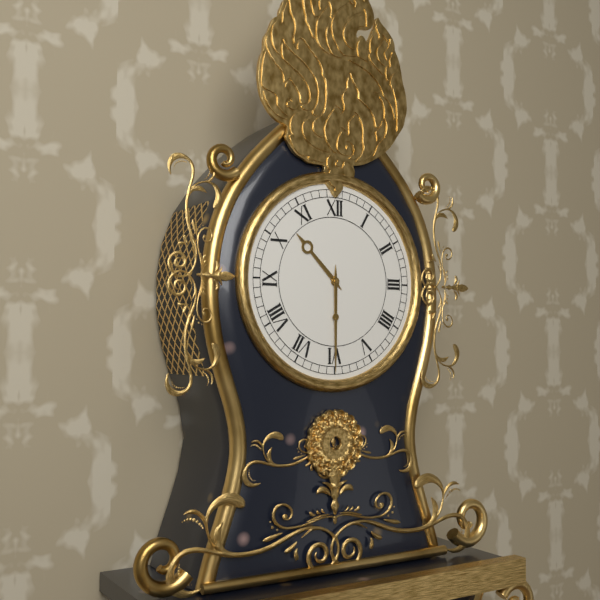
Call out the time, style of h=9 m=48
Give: h=10 m=30
